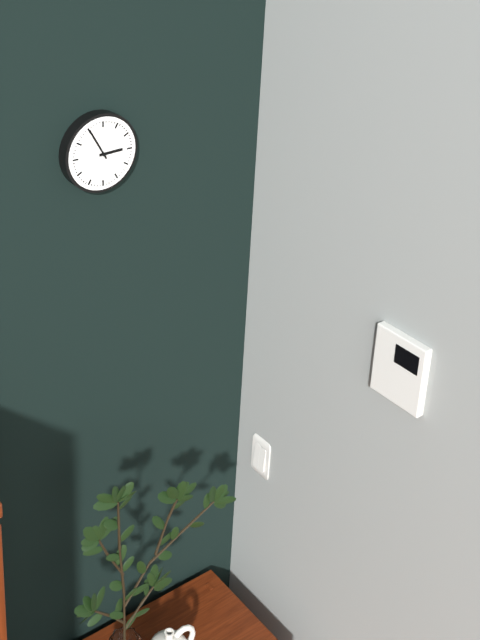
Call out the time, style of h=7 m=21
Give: h=2 m=55
